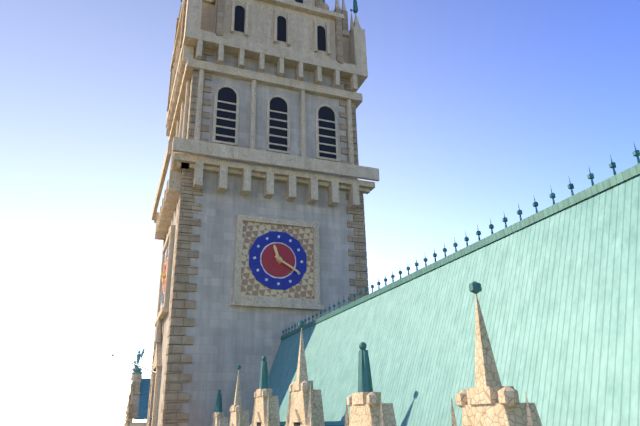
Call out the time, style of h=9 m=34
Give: h=11 m=20
